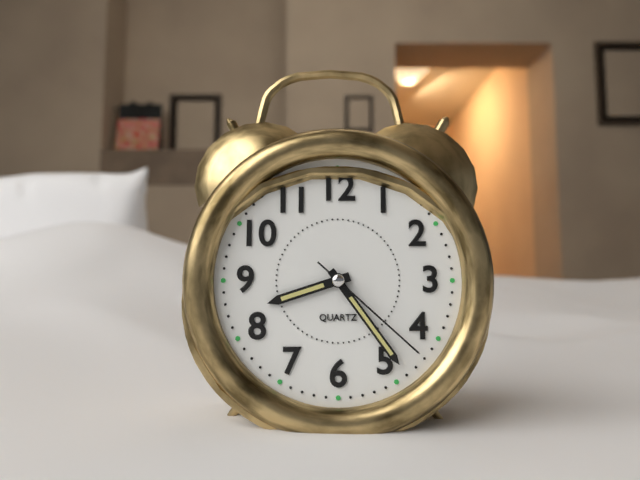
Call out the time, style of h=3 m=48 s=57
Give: h=8 m=24 s=22
